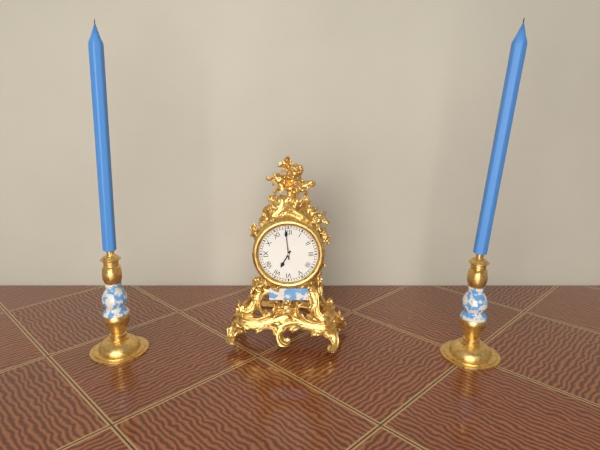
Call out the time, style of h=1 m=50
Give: h=6 m=59
